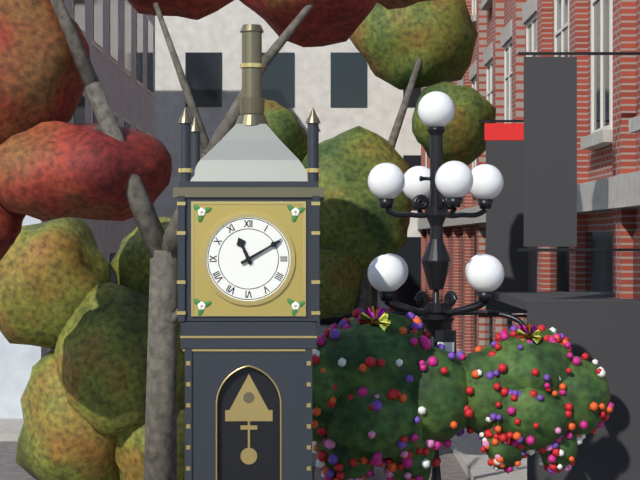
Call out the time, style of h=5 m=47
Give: h=11 m=10
